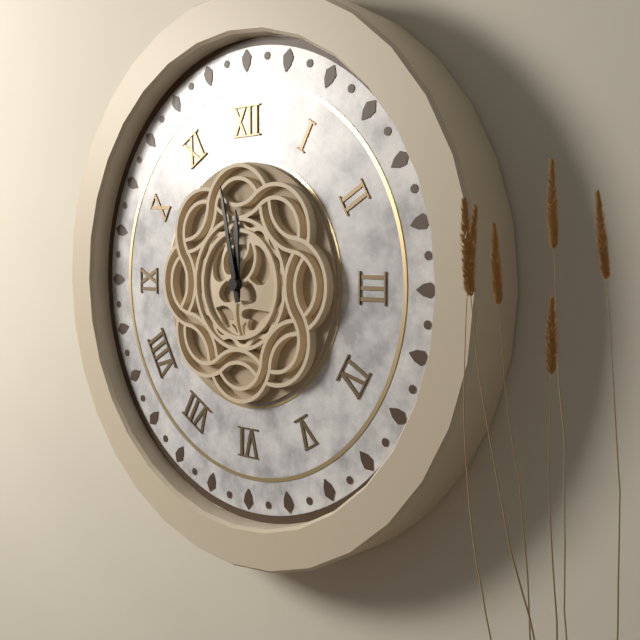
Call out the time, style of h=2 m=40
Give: h=11 m=58
